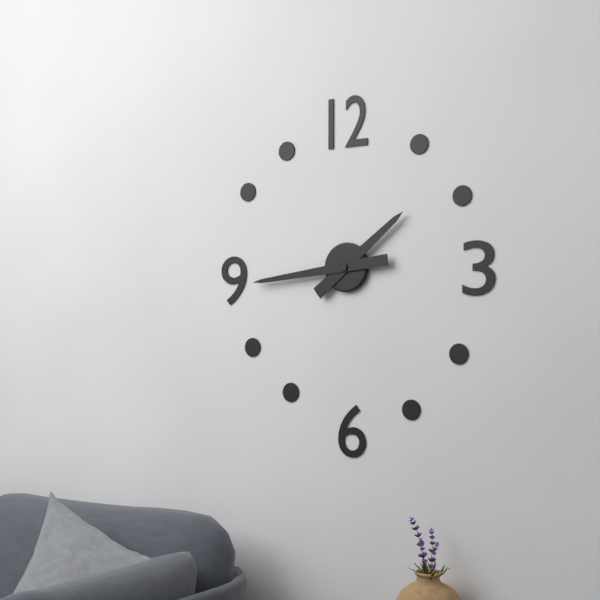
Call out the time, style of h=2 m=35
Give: h=1 m=44
